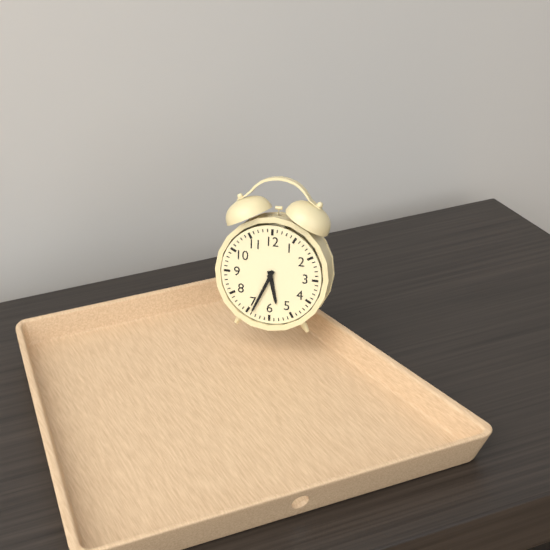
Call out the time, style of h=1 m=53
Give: h=5 m=34
